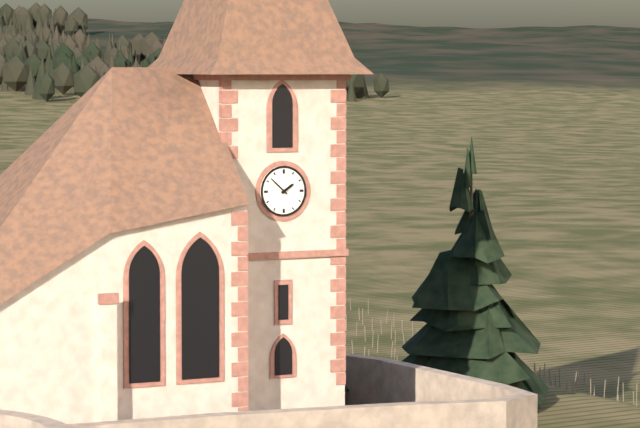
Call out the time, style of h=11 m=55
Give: h=1 m=52
